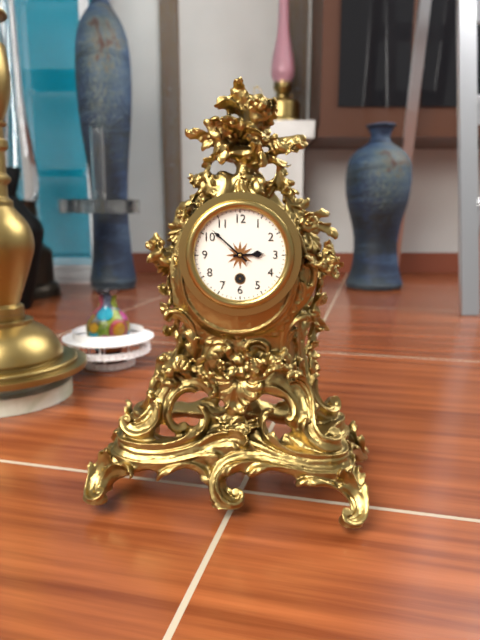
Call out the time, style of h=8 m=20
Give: h=2 m=52
